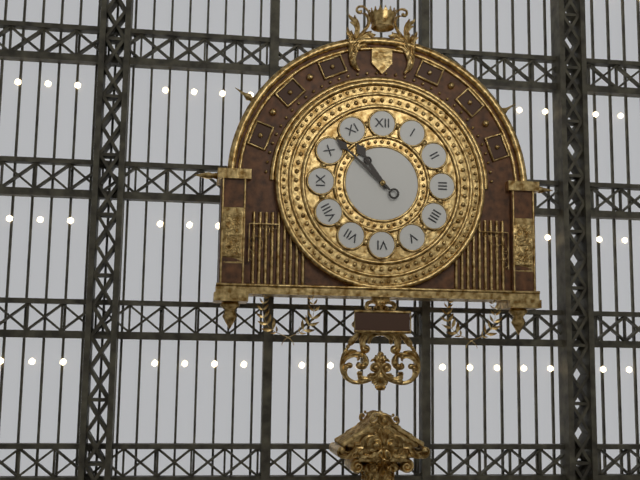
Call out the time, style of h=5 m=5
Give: h=10 m=52
